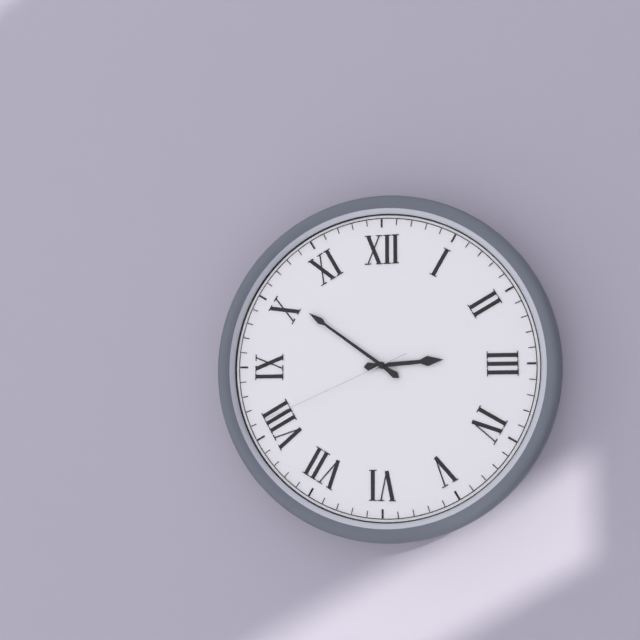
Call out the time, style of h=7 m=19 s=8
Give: h=2 m=51 s=41
